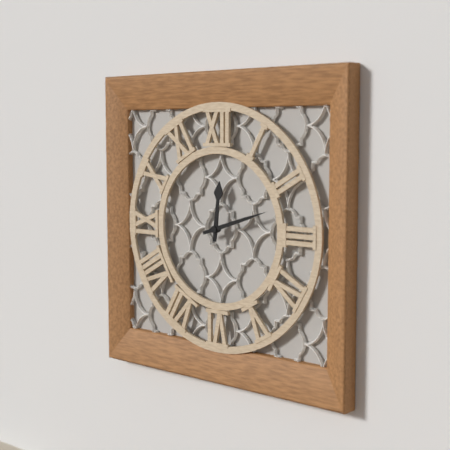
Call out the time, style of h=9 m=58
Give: h=12 m=12
